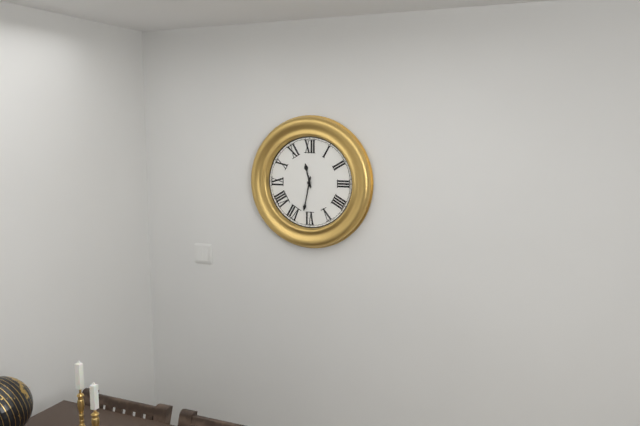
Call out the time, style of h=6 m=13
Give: h=11 m=32
